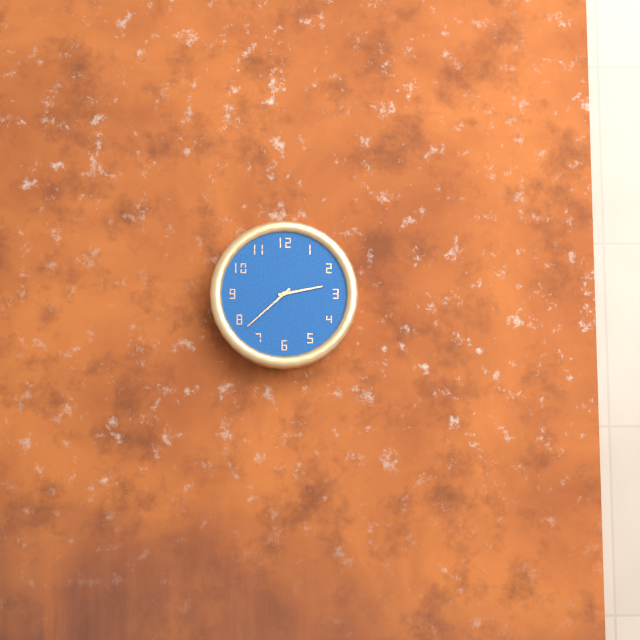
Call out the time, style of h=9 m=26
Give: h=2 m=38
